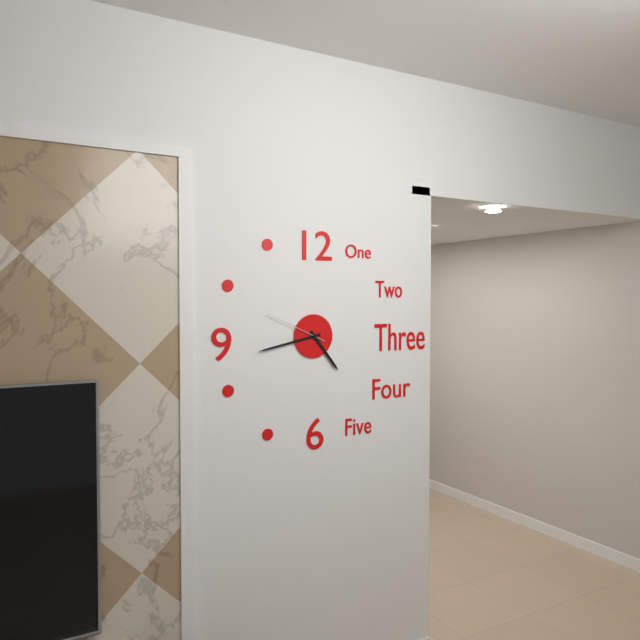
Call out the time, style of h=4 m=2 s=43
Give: h=4 m=43 s=49
